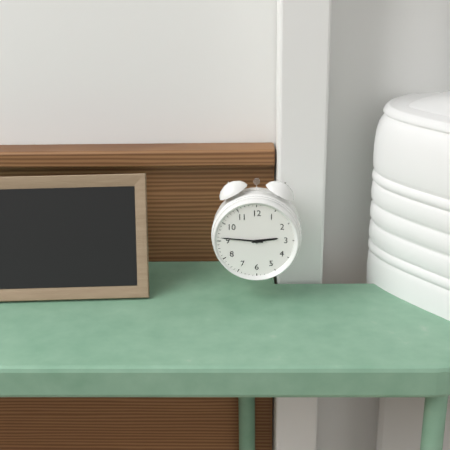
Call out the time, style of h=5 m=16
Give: h=2 m=46
